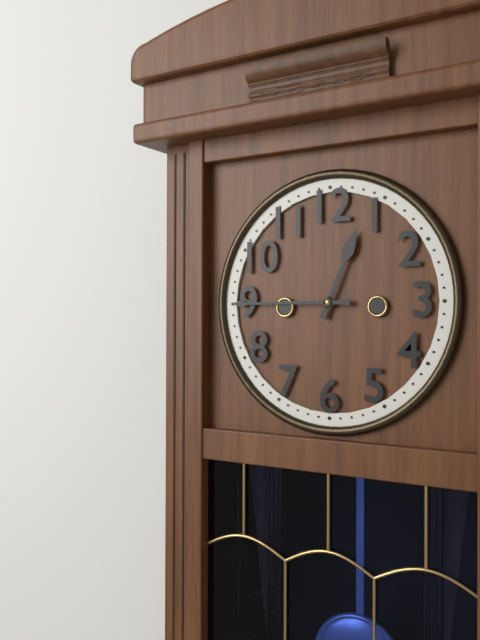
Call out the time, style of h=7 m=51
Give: h=12 m=45
